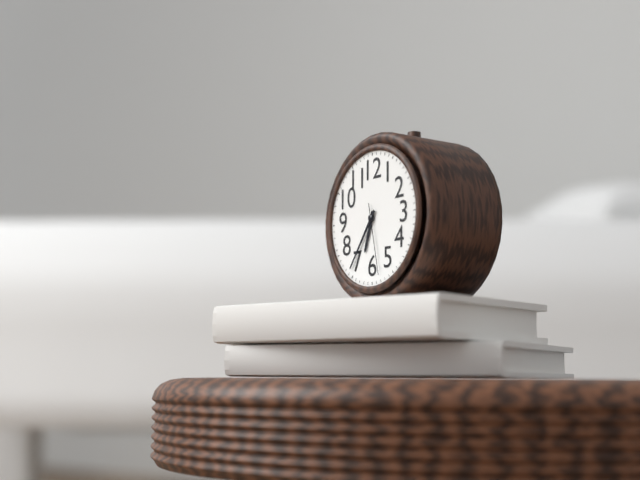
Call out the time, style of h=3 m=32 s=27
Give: h=6 m=36 s=28
